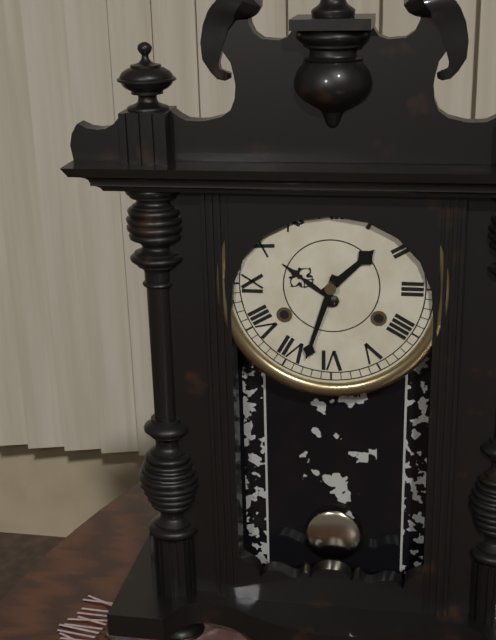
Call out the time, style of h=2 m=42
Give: h=1 m=33
